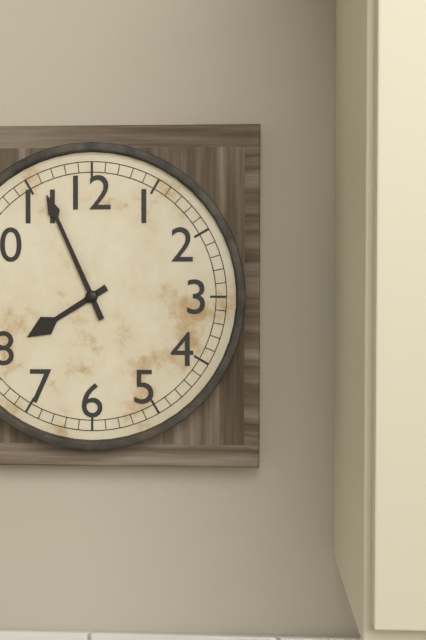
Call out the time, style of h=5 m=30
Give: h=7 m=56
